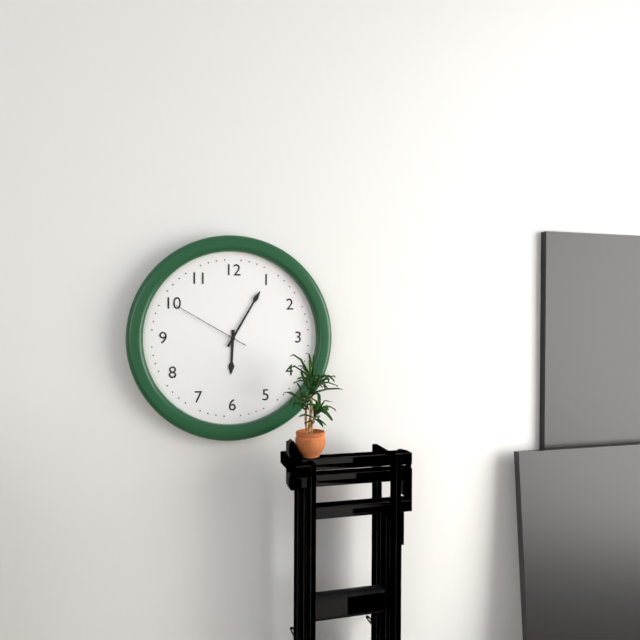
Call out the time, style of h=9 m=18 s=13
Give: h=6 m=5 s=50
